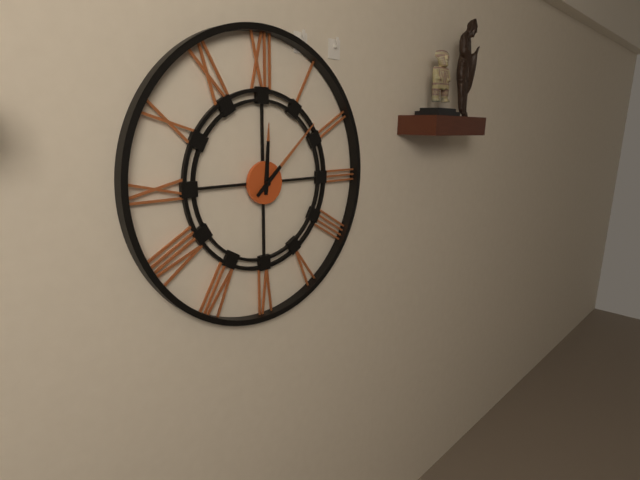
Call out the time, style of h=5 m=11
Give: h=12 m=8
